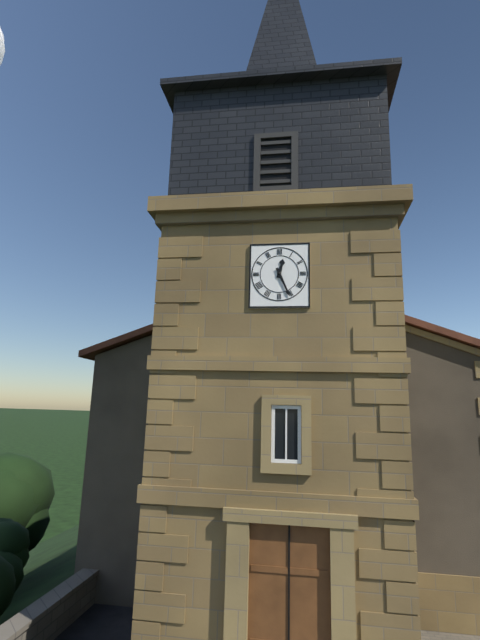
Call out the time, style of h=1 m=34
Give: h=12 m=26
